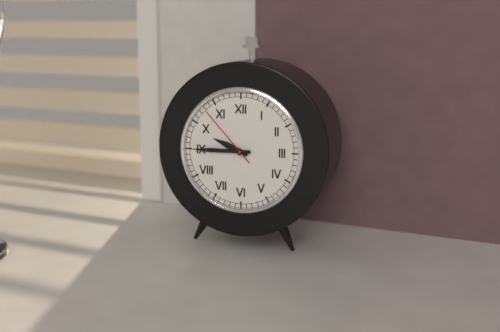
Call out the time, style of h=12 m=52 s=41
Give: h=9 m=45 s=53
